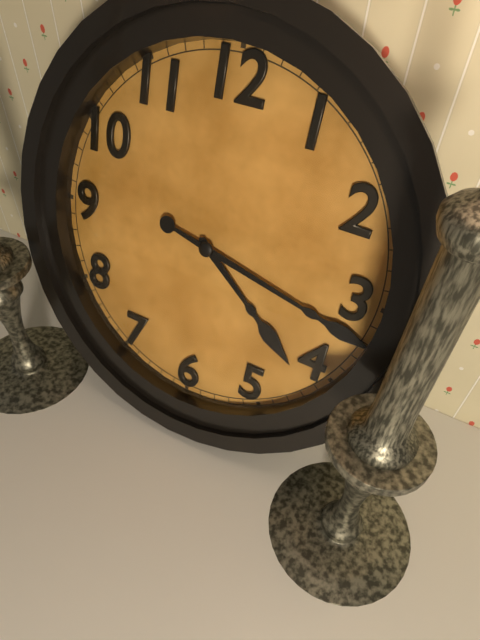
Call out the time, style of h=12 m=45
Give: h=4 m=17
